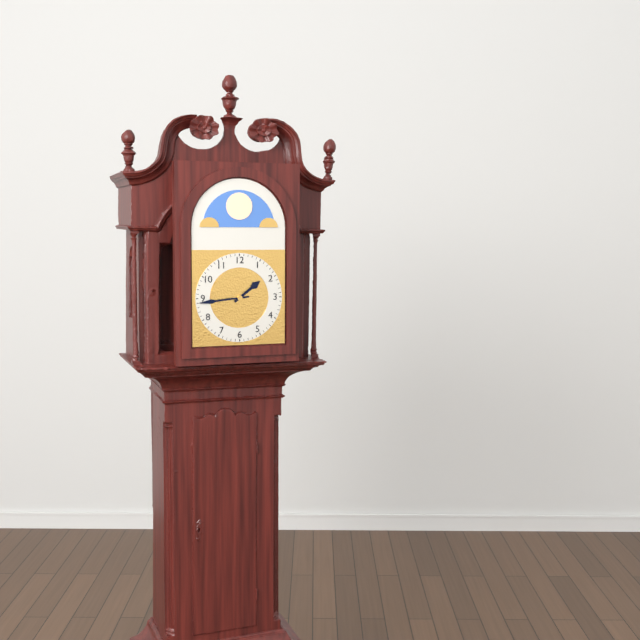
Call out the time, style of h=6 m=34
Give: h=1 m=44
